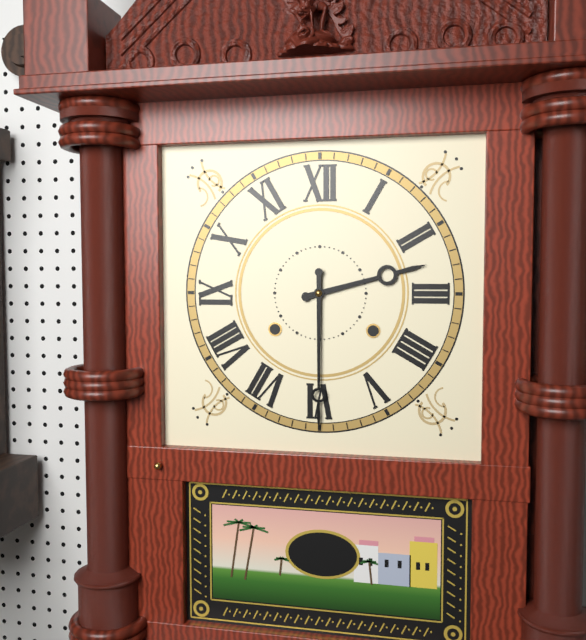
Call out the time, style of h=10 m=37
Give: h=2 m=30
